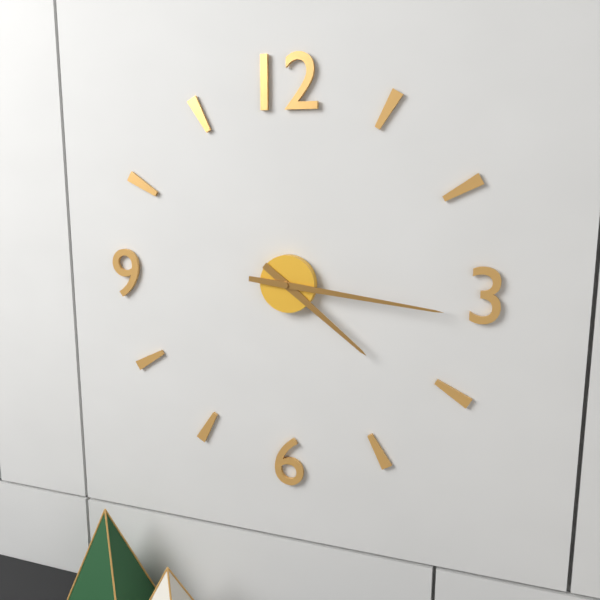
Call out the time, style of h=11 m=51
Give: h=4 m=16
